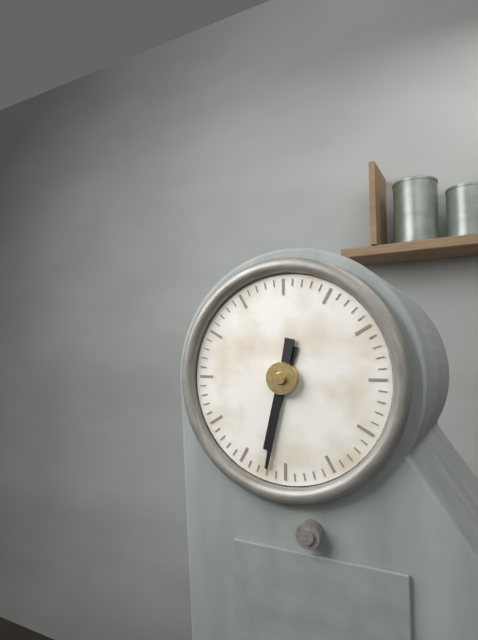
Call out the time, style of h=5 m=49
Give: h=6 m=32
